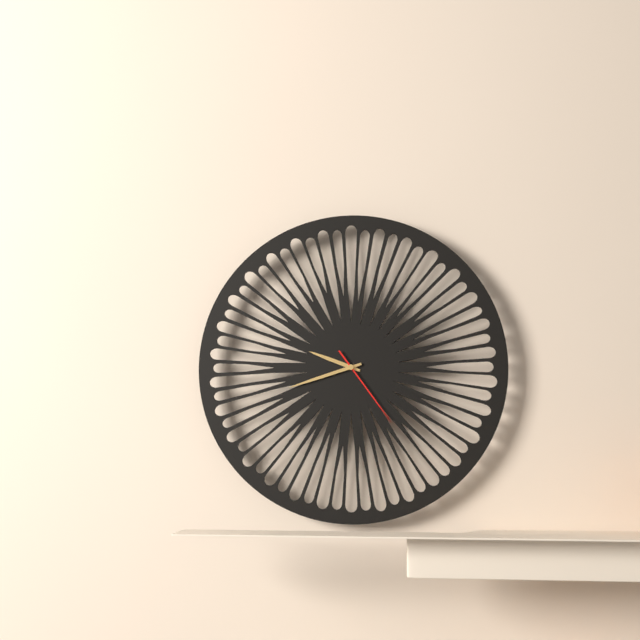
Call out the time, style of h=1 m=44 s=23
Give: h=9 m=42 s=24
